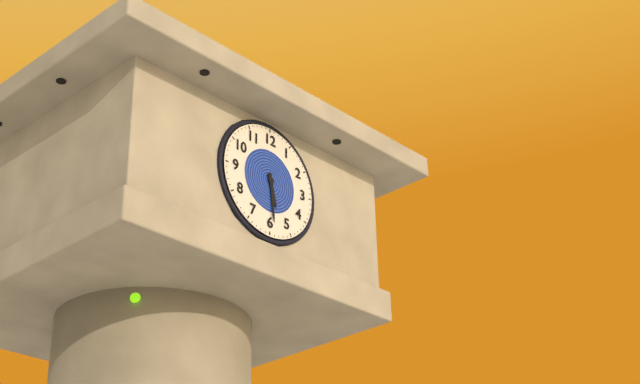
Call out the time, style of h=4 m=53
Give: h=5 m=29
